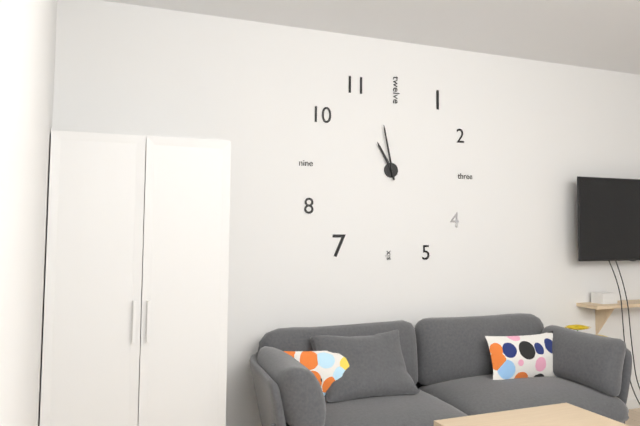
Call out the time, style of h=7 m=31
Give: h=10 m=58
